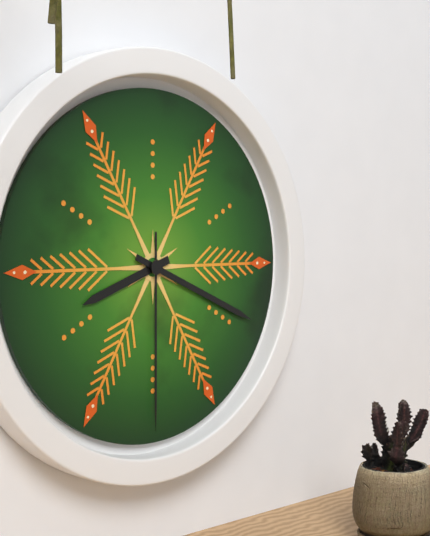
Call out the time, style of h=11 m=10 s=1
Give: h=8 m=19 s=30
